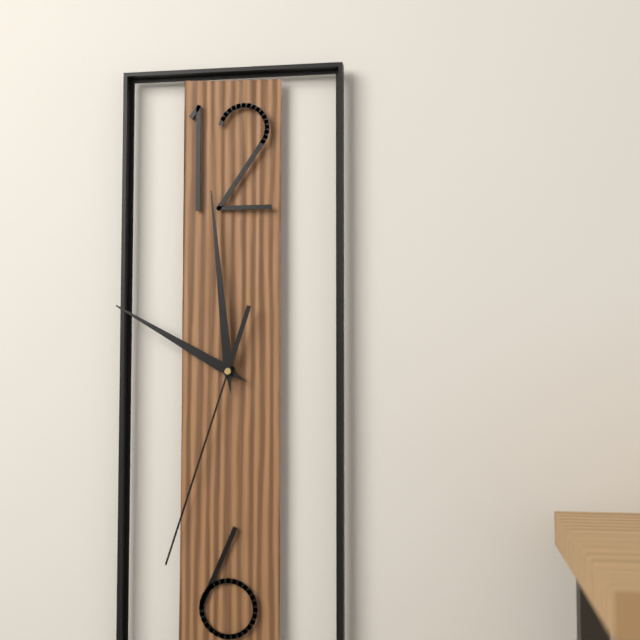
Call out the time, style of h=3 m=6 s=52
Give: h=9 m=59 s=33
